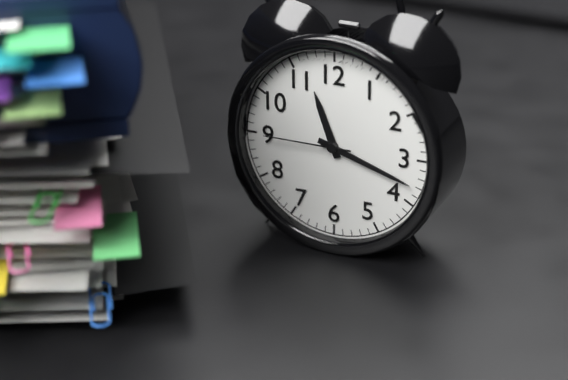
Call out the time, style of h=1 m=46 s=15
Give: h=11 m=18 s=45
